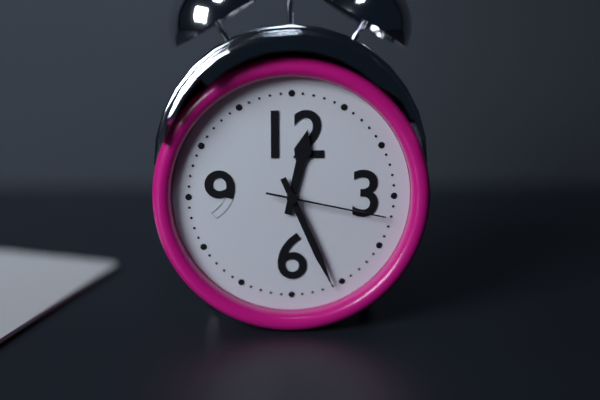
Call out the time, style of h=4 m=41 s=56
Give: h=12 m=26 s=17
